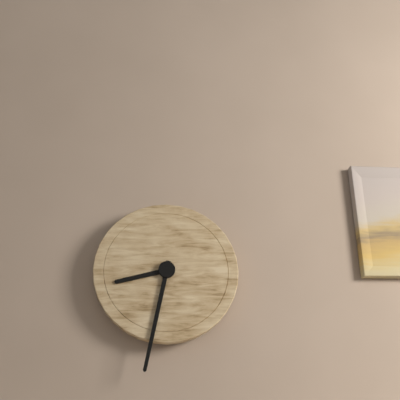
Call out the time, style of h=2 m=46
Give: h=8 m=32
